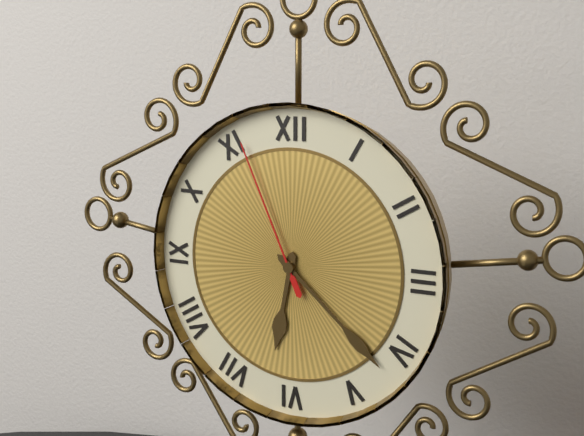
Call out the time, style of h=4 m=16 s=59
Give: h=6 m=22 s=56
